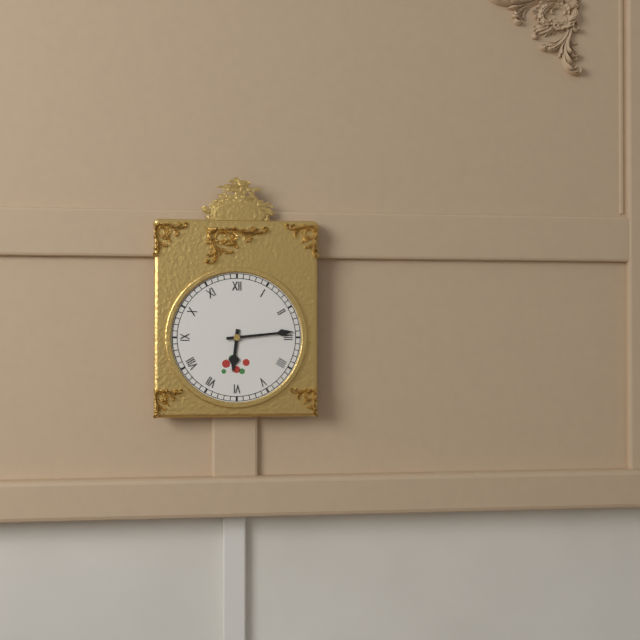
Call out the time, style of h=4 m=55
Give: h=6 m=14
